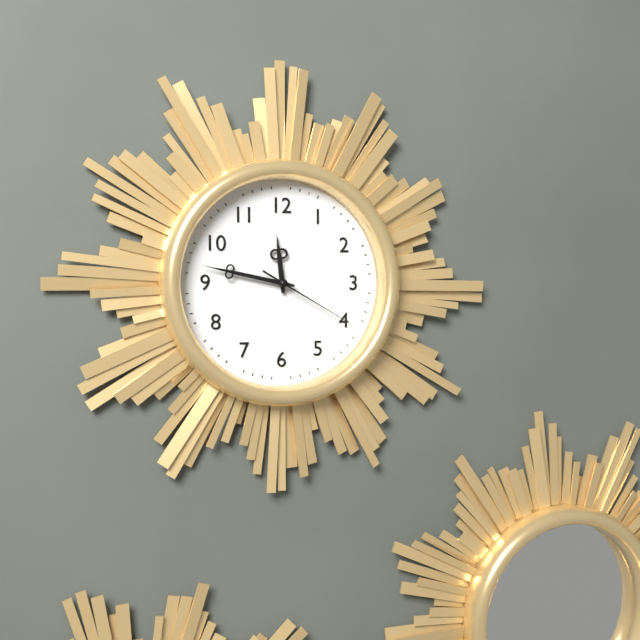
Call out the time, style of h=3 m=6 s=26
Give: h=11 m=47 s=20
